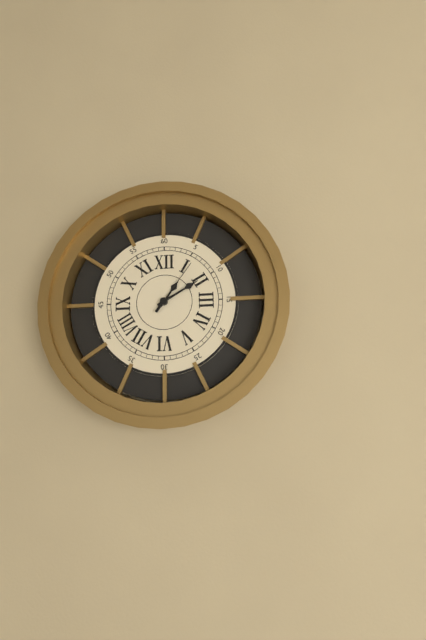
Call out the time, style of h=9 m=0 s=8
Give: h=1 m=10 s=6
